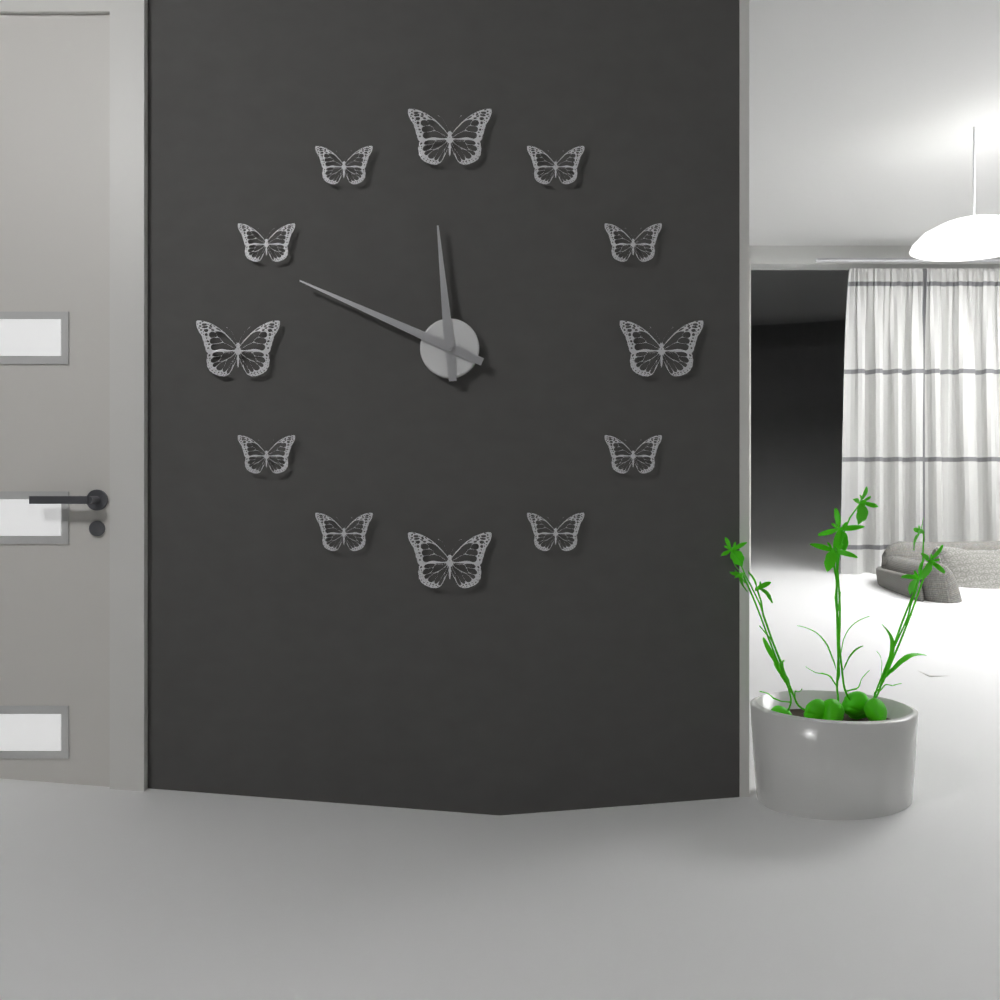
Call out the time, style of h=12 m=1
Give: h=11 m=49
